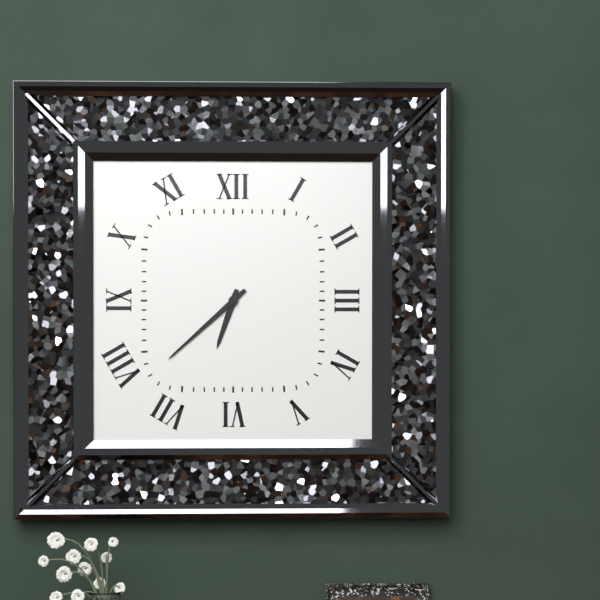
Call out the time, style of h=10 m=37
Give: h=6 m=38
